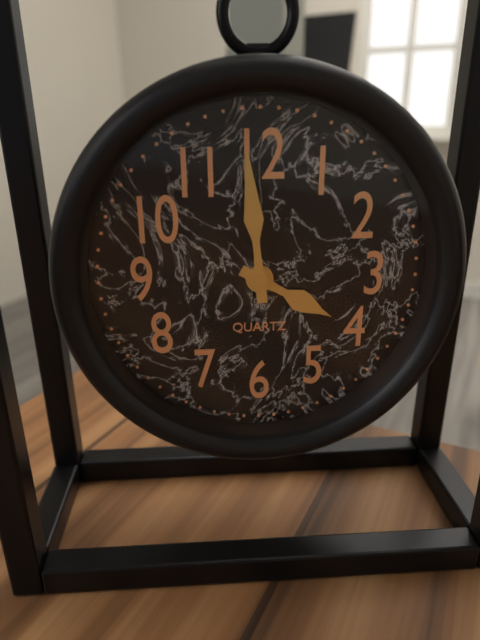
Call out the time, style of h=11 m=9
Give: h=3 m=59
